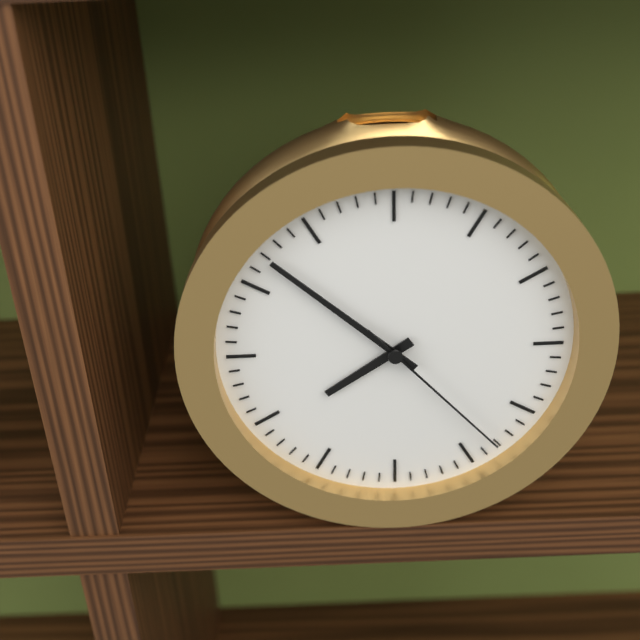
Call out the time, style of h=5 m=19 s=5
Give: h=7 m=52 s=23
